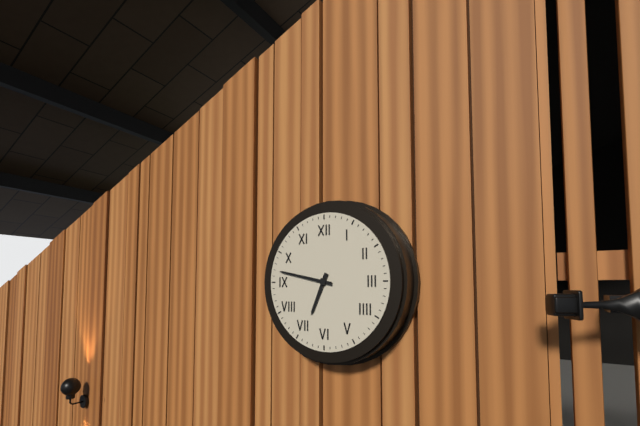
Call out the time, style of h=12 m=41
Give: h=6 m=47
